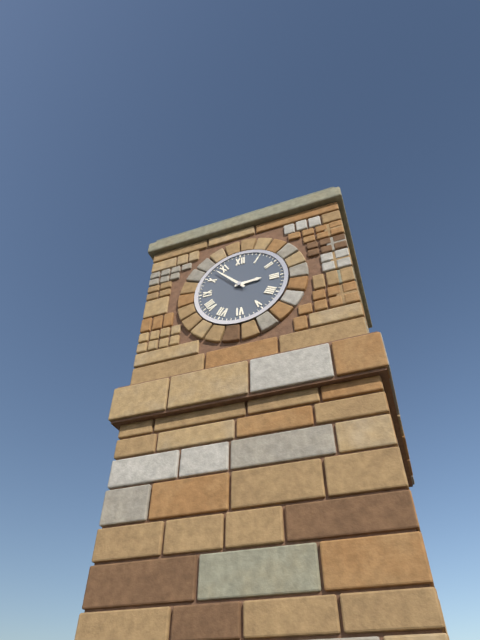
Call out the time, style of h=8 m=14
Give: h=2 m=53
